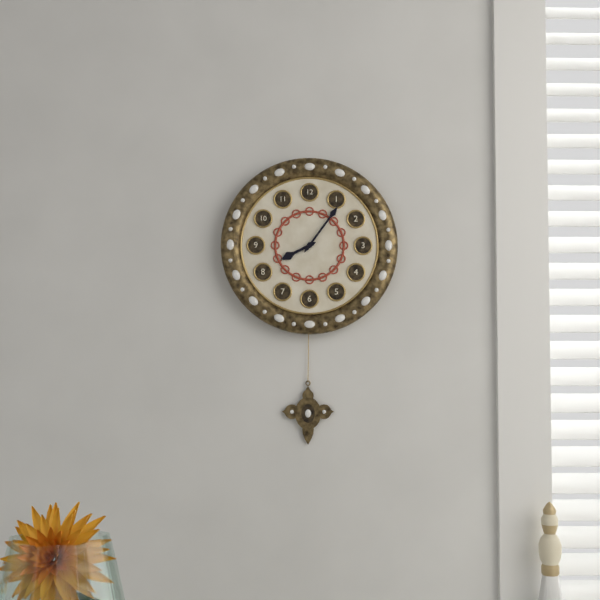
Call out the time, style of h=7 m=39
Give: h=8 m=6
